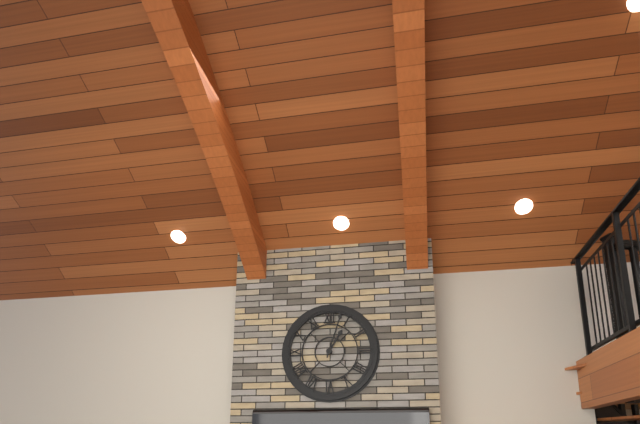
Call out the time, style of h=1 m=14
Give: h=1 m=3
